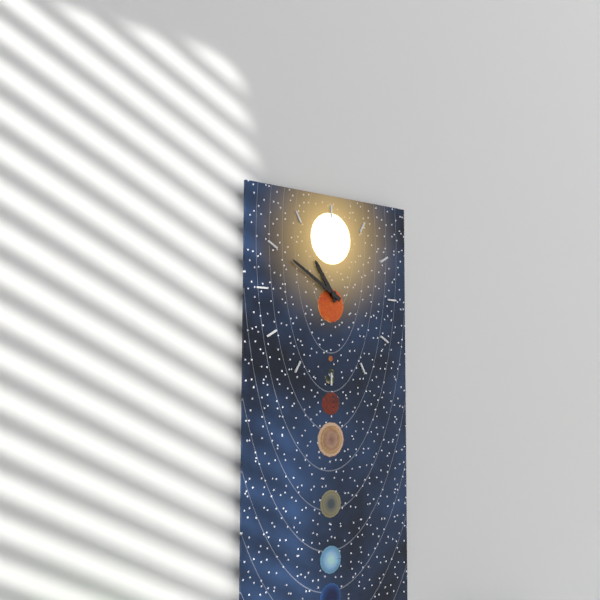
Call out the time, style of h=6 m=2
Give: h=10 m=50
